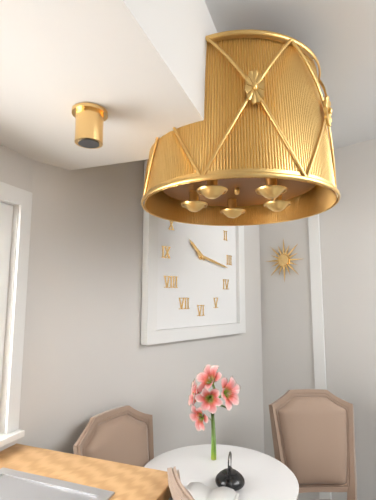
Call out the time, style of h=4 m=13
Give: h=10 m=17
